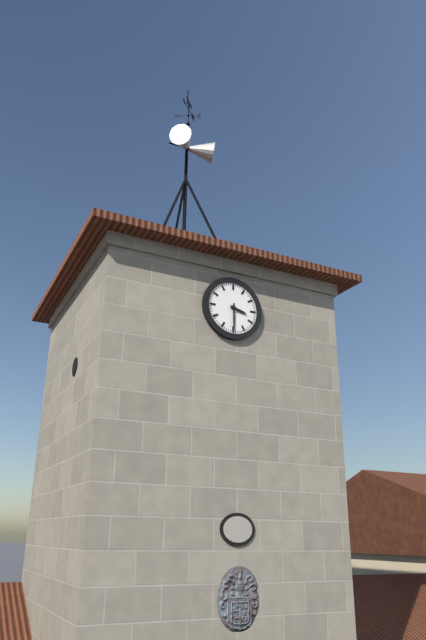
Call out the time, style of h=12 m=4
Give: h=3 m=30
